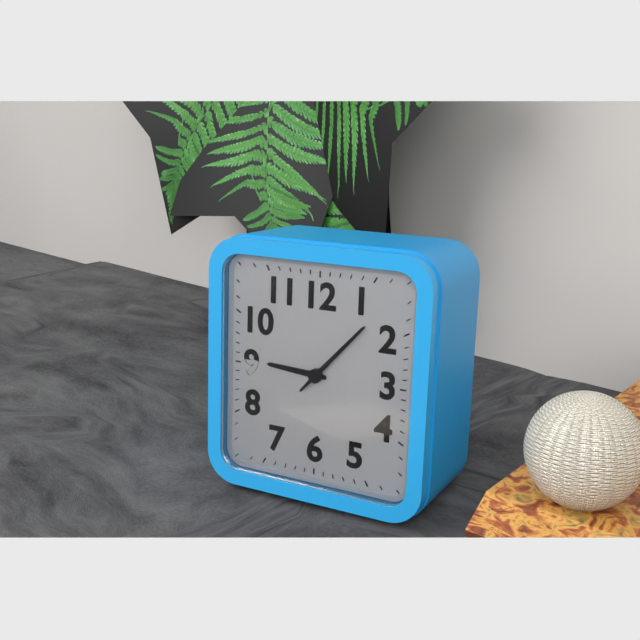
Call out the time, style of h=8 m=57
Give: h=9 m=7
